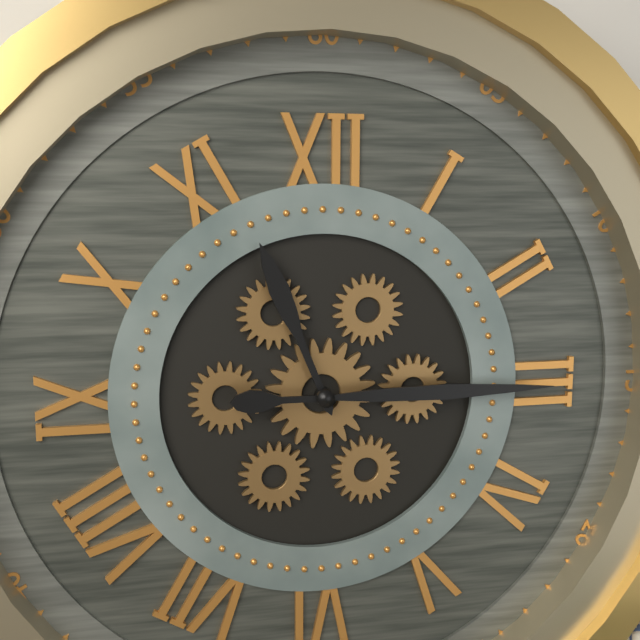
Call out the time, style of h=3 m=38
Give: h=11 m=15
